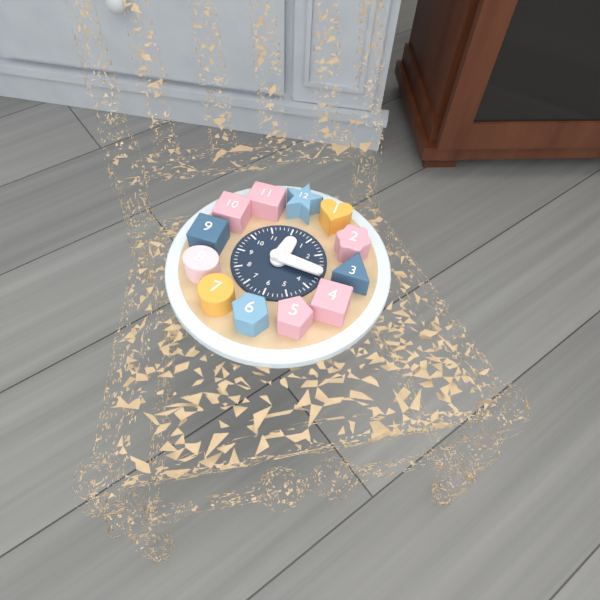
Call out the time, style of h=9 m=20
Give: h=12 m=16
